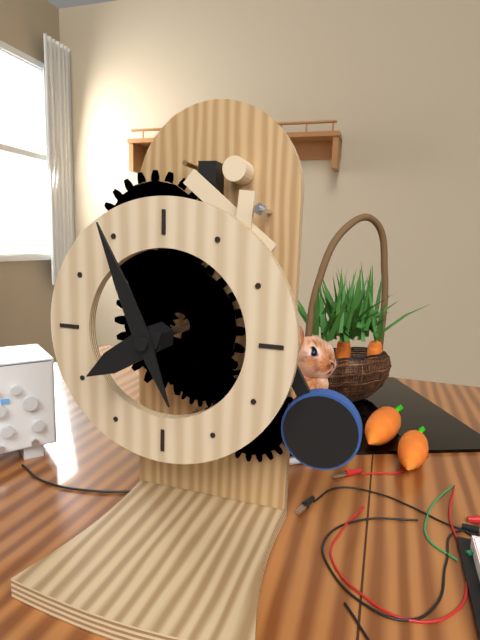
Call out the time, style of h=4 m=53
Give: h=7 m=56
